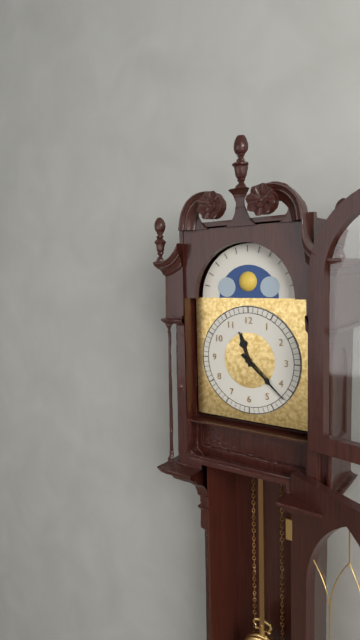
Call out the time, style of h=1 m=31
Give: h=11 m=22
